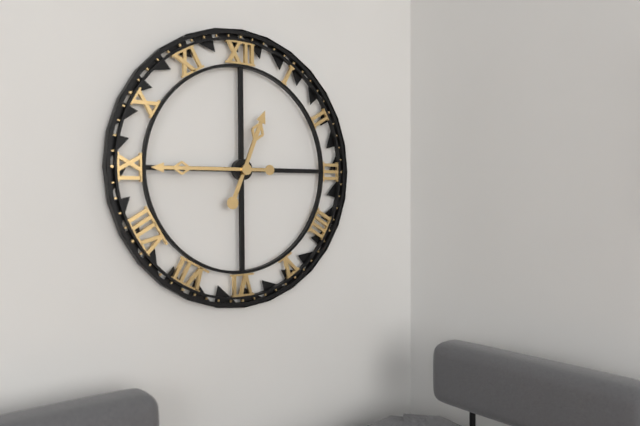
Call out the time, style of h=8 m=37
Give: h=12 m=45
